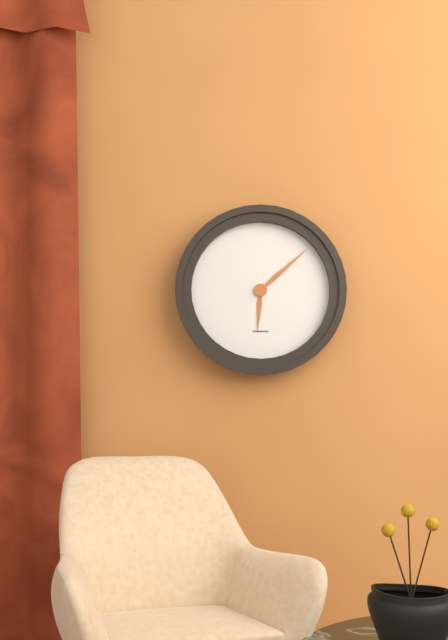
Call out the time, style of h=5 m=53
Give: h=6 m=8
